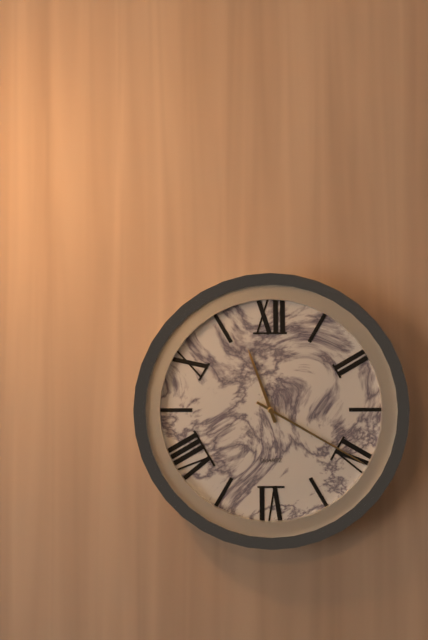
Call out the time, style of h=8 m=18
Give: h=11 m=20
